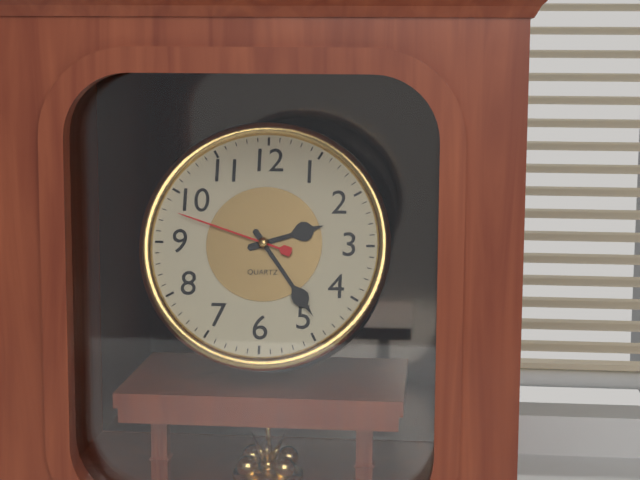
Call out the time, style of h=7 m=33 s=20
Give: h=2 m=24 s=48
